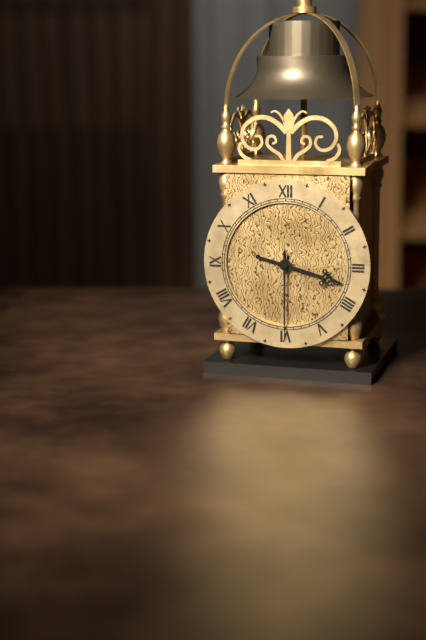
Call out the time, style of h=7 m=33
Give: h=3 m=30
